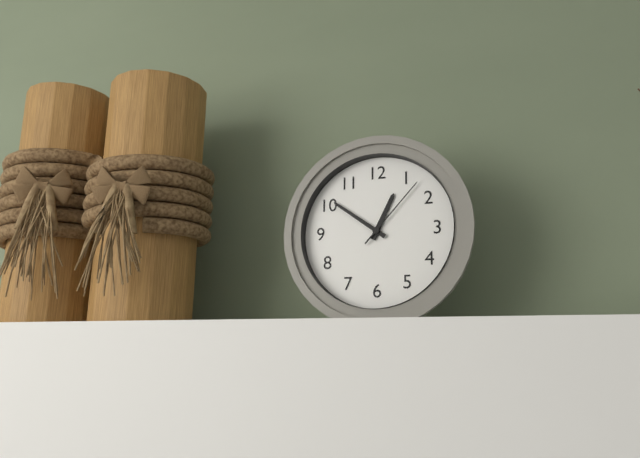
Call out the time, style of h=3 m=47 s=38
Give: h=12 m=51 s=7
